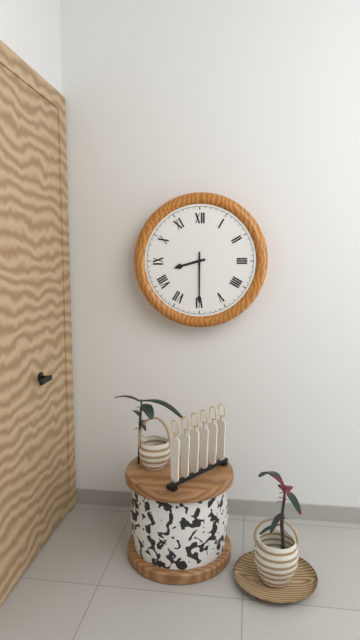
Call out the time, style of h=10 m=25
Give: h=8 m=30
